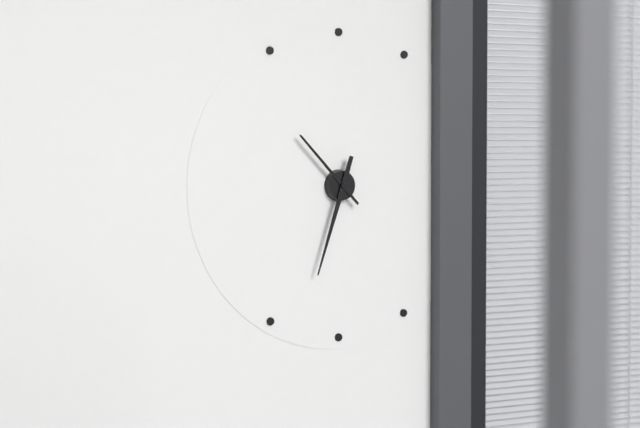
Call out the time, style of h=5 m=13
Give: h=10 m=33
